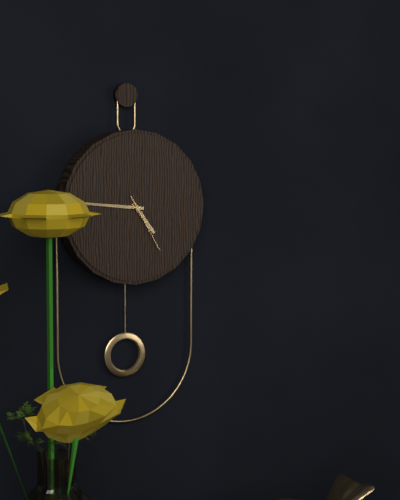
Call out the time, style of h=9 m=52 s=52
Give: h=4 m=46 s=25
